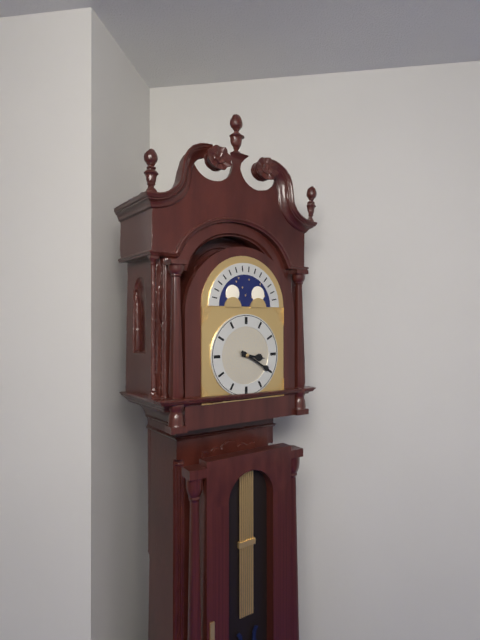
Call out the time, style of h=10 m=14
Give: h=3 m=20
